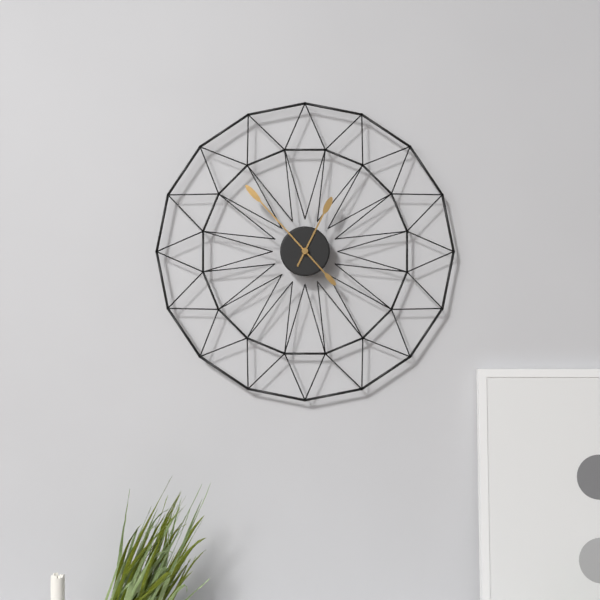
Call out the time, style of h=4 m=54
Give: h=12 m=53
